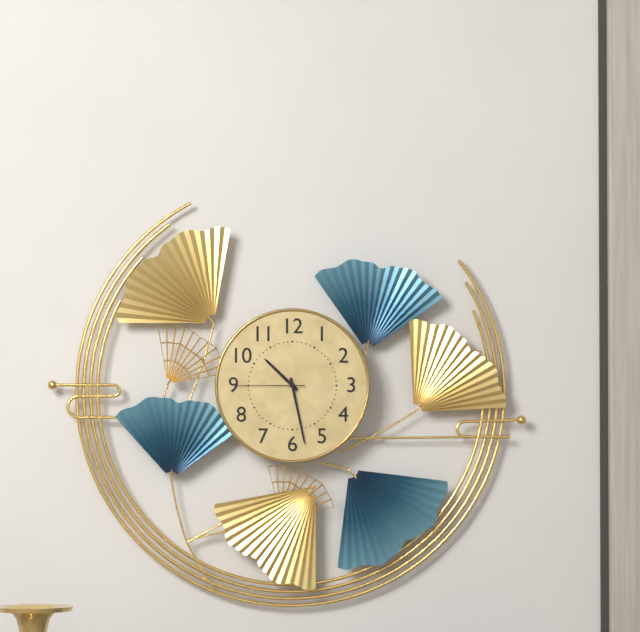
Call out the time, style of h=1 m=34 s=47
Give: h=10 m=28 s=45
